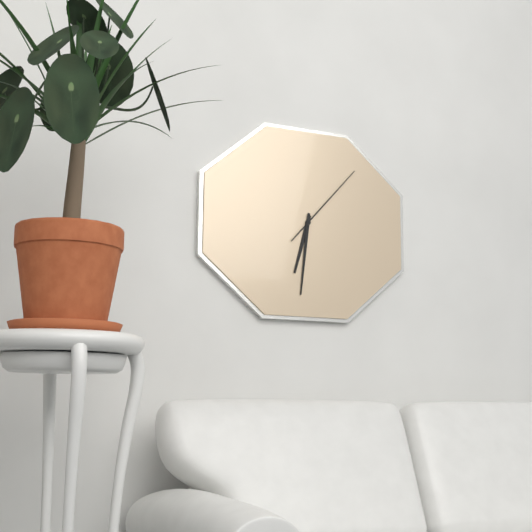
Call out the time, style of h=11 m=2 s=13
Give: h=6 m=31 s=7
